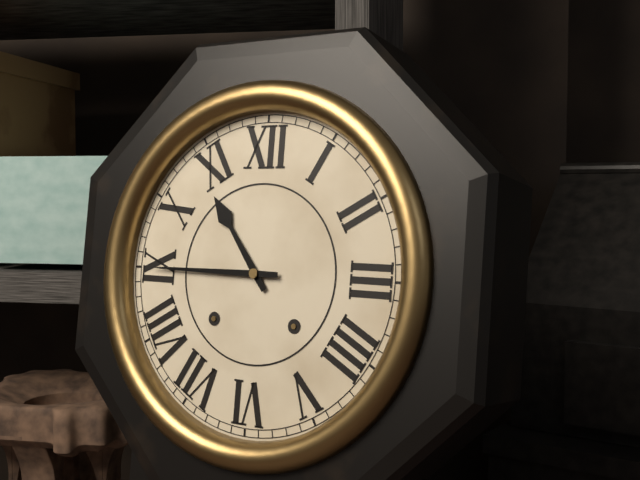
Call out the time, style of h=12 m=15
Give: h=10 m=45
